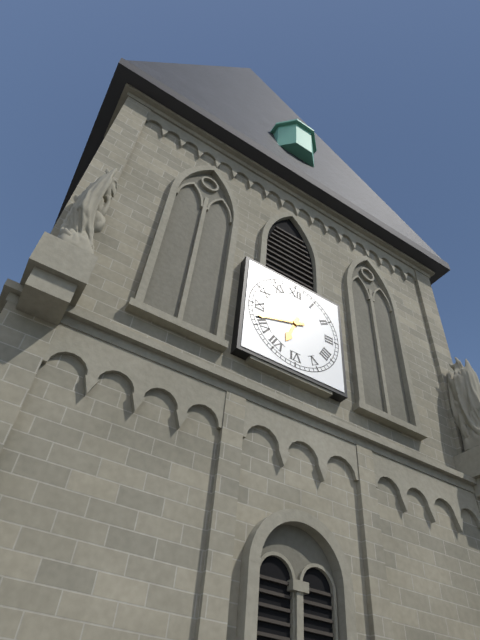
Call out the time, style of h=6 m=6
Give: h=6 m=42
